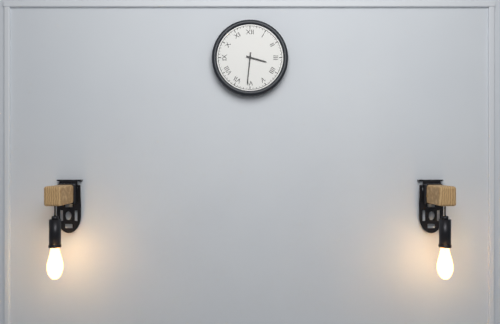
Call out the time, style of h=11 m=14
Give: h=3 m=31
